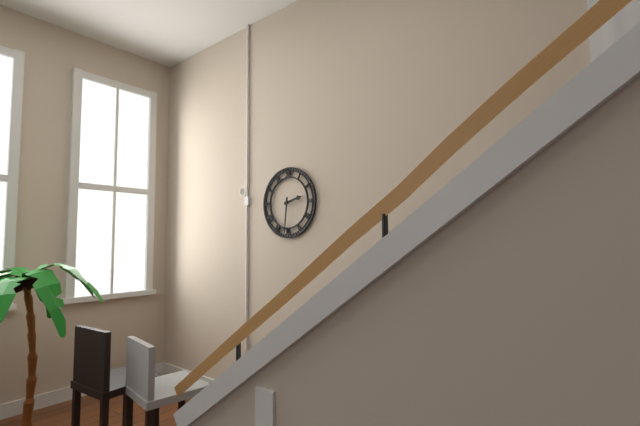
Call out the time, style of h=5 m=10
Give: h=2 m=31
